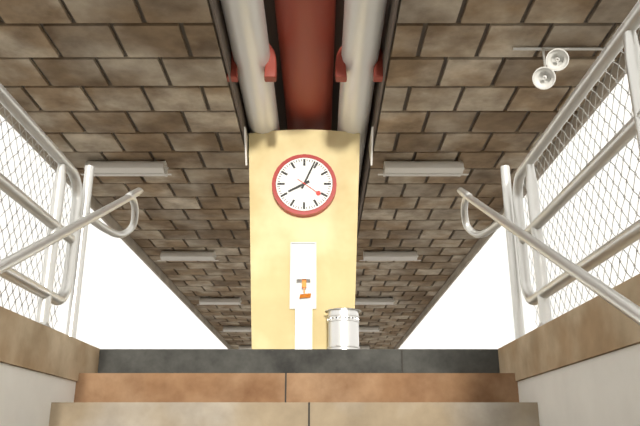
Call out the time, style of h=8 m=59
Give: h=8 m=4
